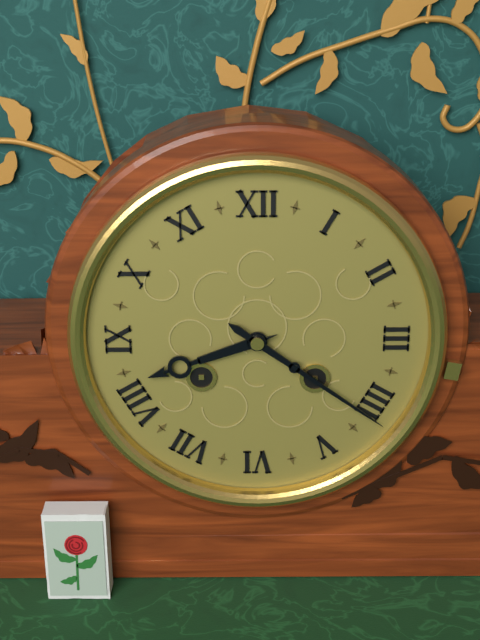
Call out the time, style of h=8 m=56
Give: h=8 m=21
